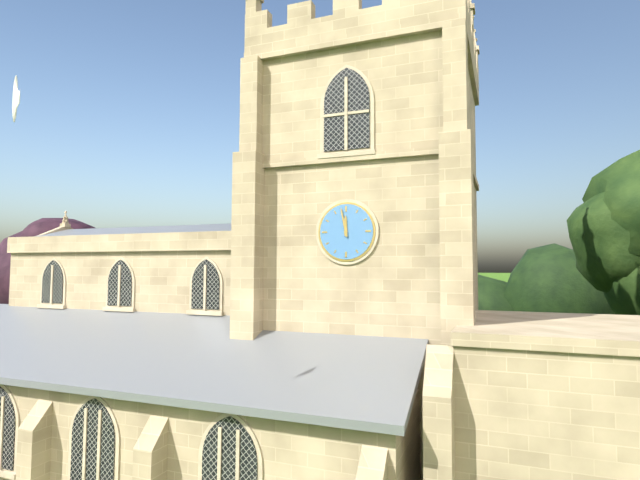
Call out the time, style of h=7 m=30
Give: h=11 m=58
